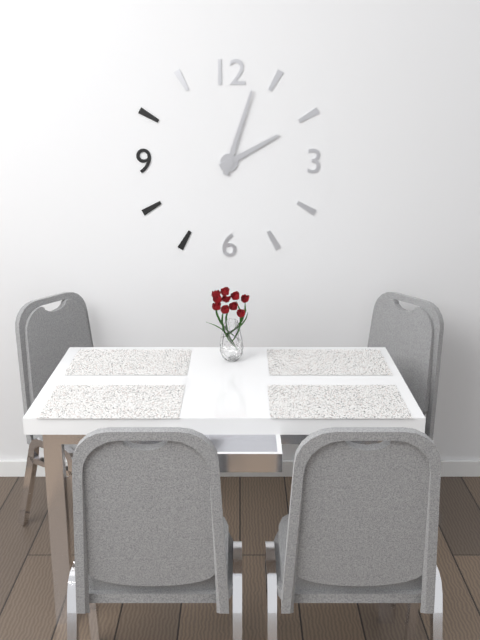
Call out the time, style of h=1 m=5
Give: h=2 m=3
